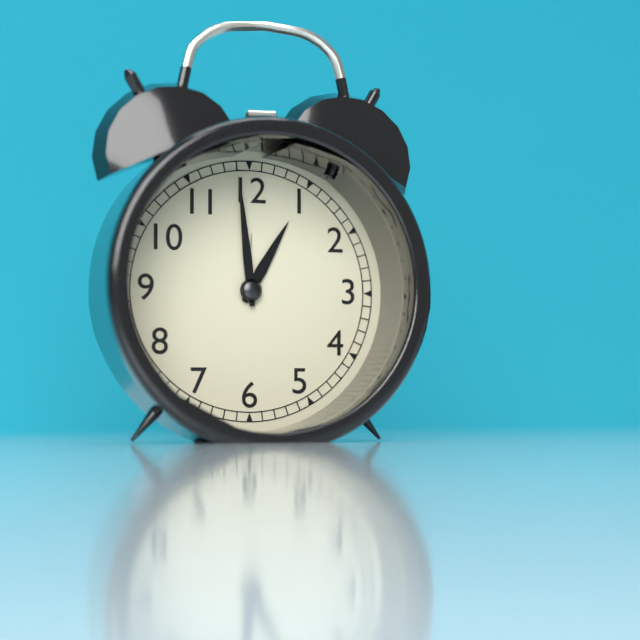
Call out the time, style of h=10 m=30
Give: h=12 m=59
